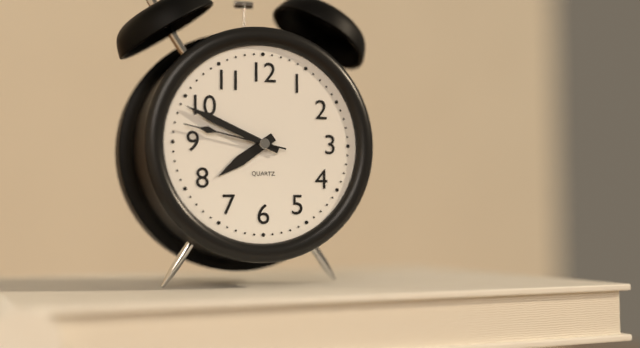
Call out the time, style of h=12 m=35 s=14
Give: h=7 m=49 s=47
